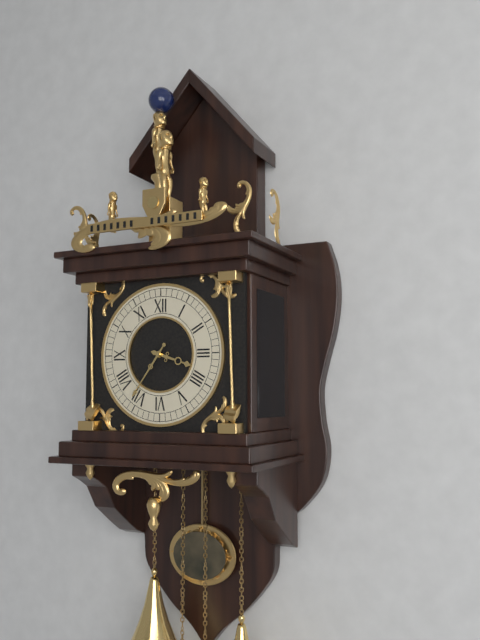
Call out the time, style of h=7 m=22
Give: h=3 m=36
